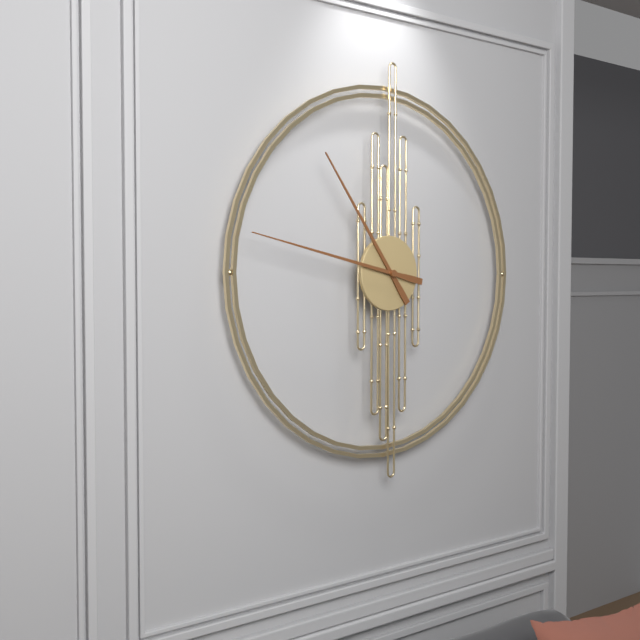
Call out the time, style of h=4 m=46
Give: h=10 m=47
